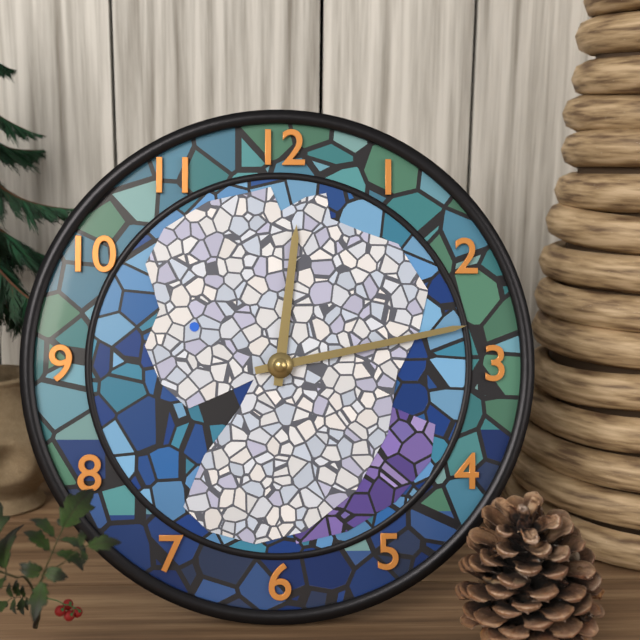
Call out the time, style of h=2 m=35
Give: h=12 m=13
